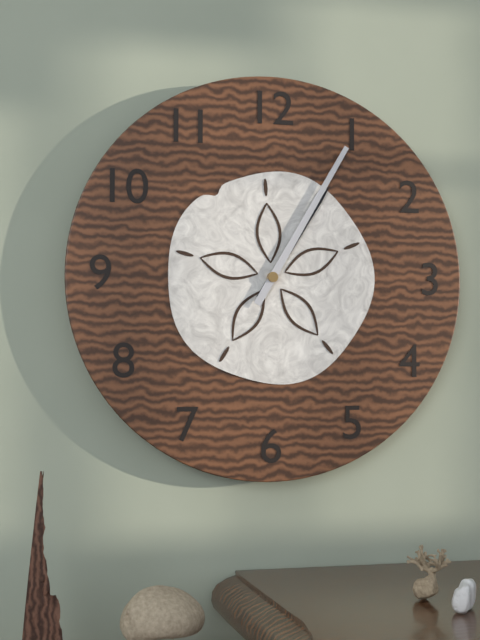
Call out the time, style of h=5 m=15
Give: h=1 m=5
